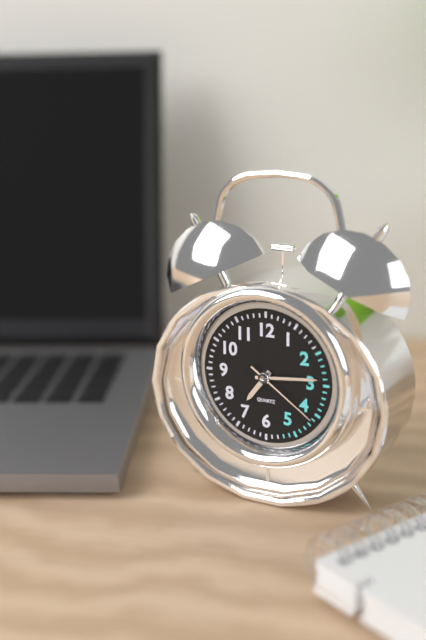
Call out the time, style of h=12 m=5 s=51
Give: h=7 m=14 s=21
